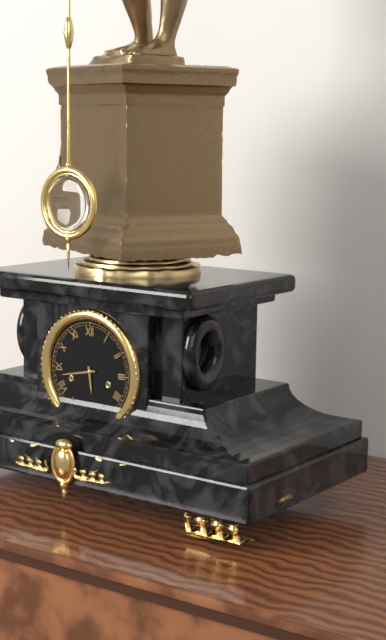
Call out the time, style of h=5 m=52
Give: h=5 m=43
